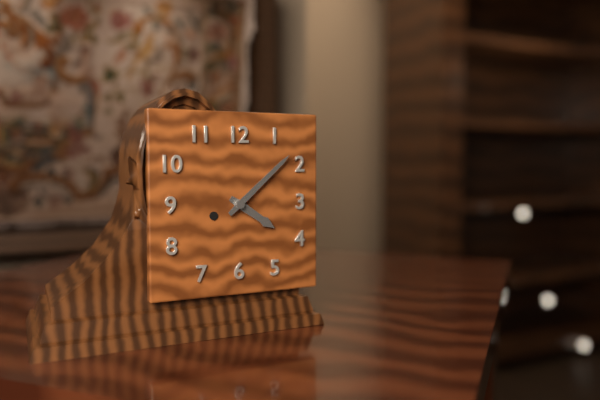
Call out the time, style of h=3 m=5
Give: h=4 m=8
